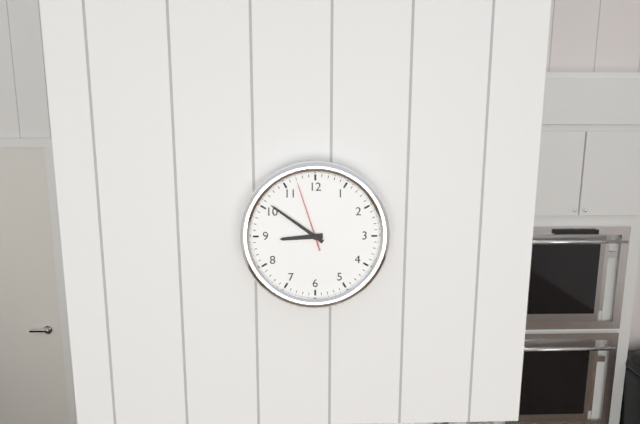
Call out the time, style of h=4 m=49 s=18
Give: h=8 m=51 s=57
